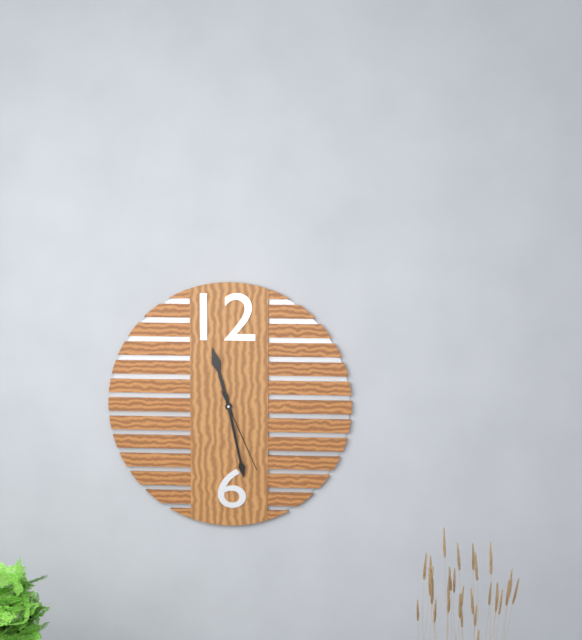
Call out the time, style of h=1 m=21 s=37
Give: h=11 m=28 s=26
